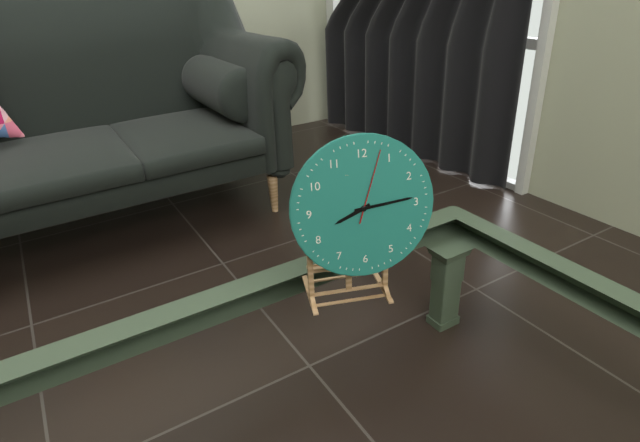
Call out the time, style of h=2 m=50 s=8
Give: h=8 m=14 s=3
